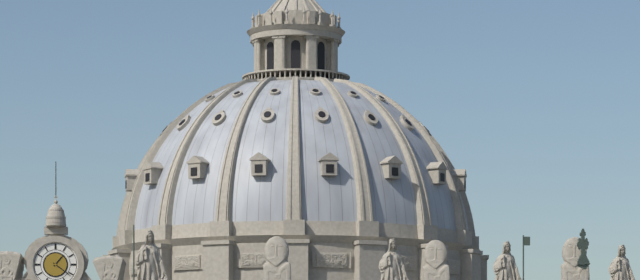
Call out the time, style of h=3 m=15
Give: h=1 m=21
